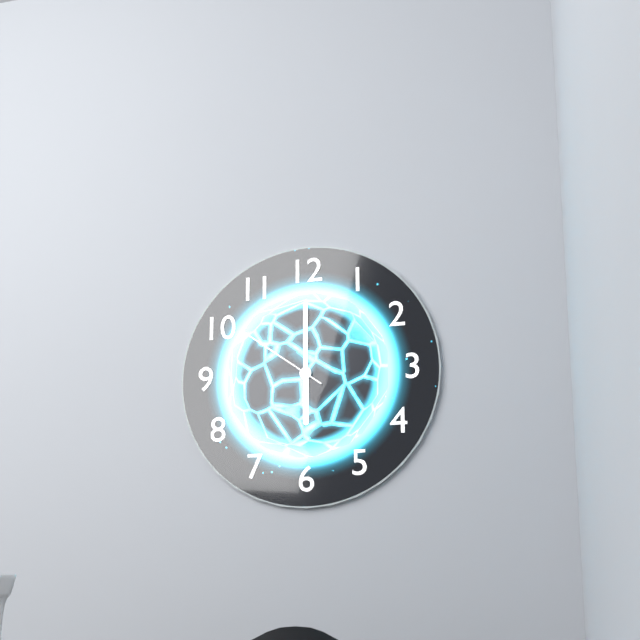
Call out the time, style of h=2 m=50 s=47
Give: h=6 m=0 s=51
